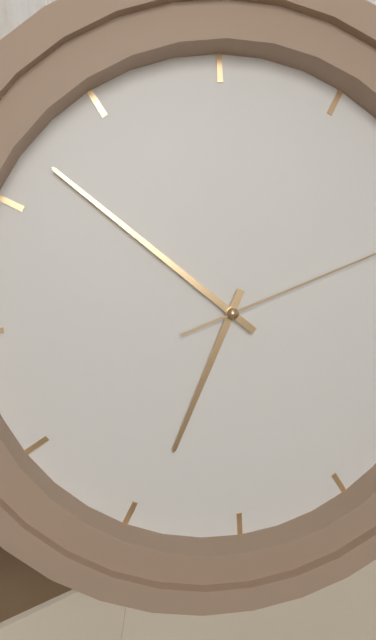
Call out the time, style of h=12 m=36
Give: h=6 m=52
